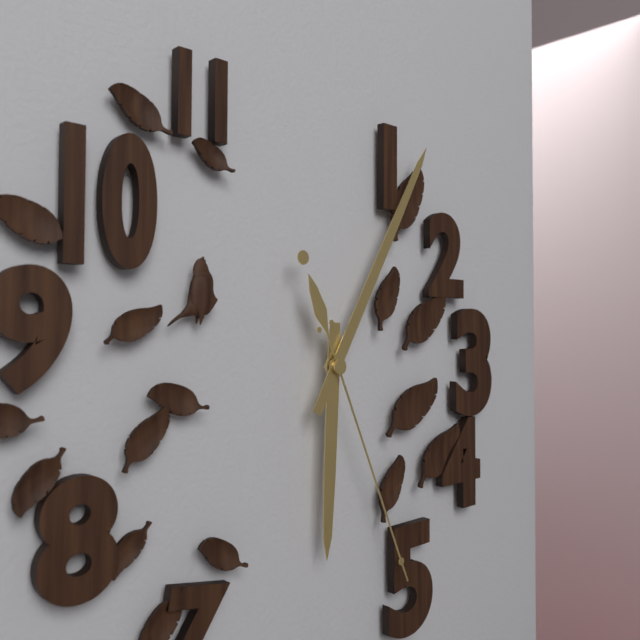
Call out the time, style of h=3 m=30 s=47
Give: h=6 m=5 s=26
